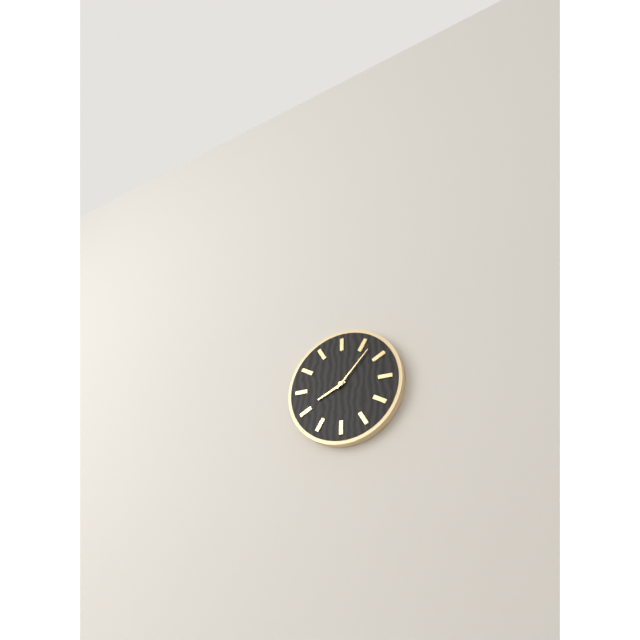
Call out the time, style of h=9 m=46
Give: h=8 m=7
